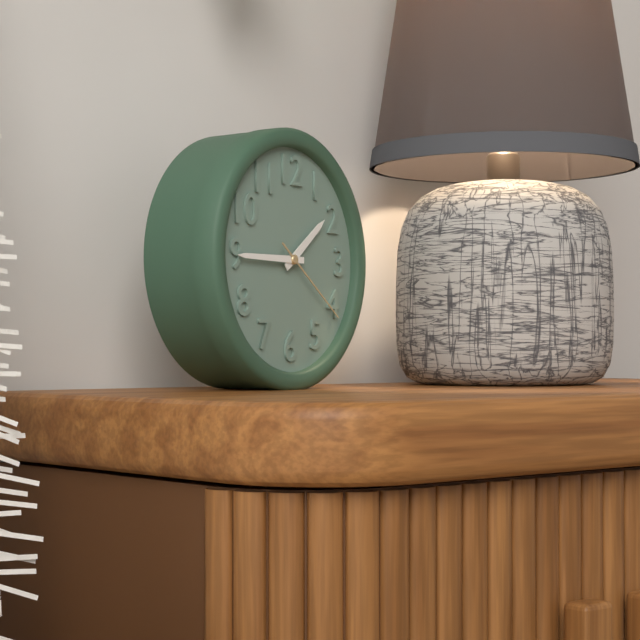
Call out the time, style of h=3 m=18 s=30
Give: h=1 m=45 s=21
